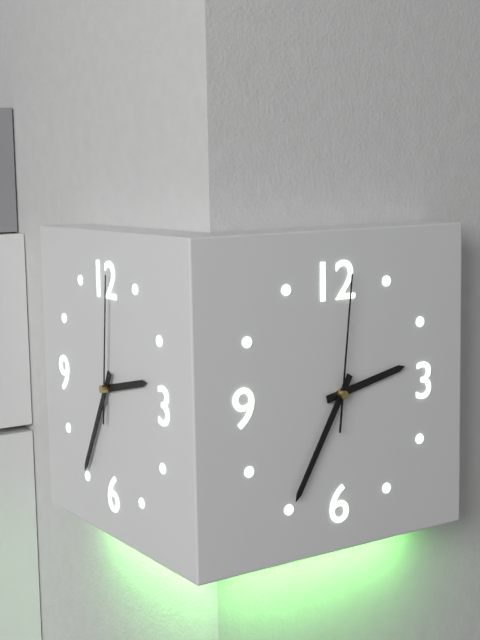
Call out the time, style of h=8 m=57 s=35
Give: h=2 m=35 s=1
